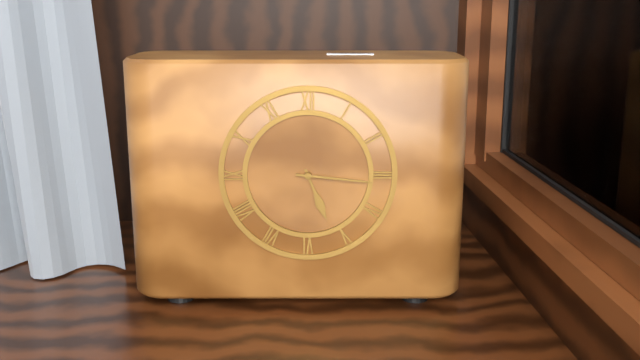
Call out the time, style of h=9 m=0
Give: h=5 m=16
